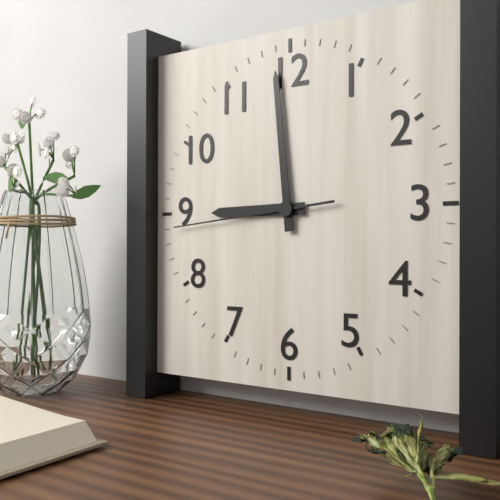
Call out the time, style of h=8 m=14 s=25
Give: h=8 m=59 s=44
